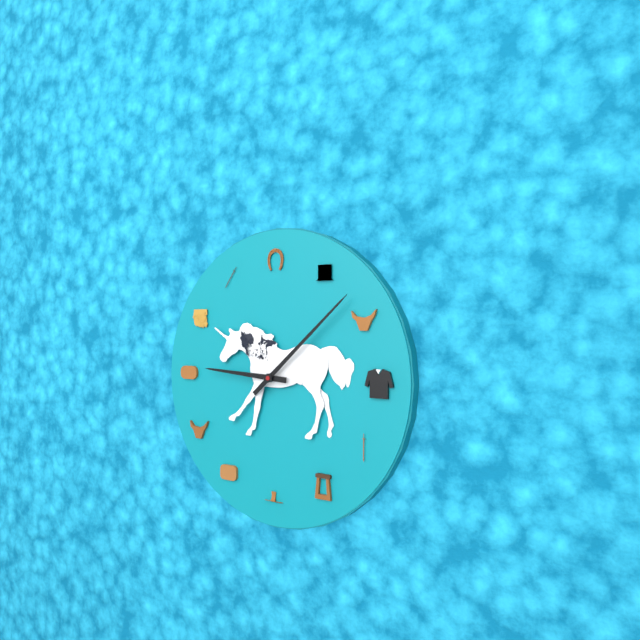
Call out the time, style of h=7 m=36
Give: h=9 m=8
